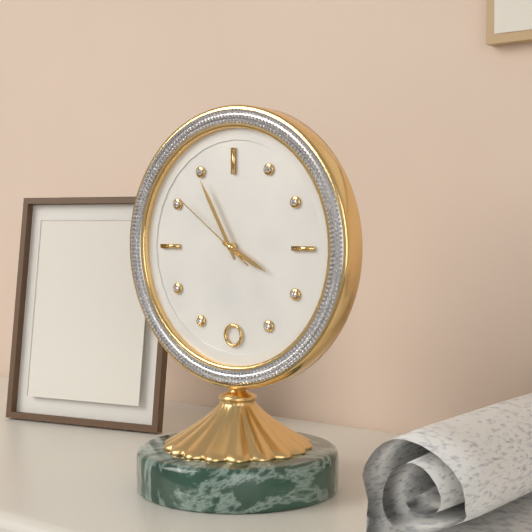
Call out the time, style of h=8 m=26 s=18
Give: h=3 m=55 s=51
